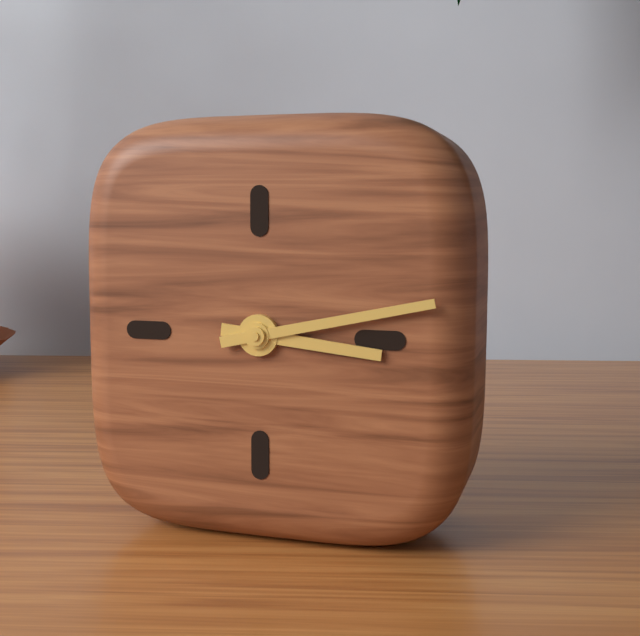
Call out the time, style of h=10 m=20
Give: h=3 m=13
